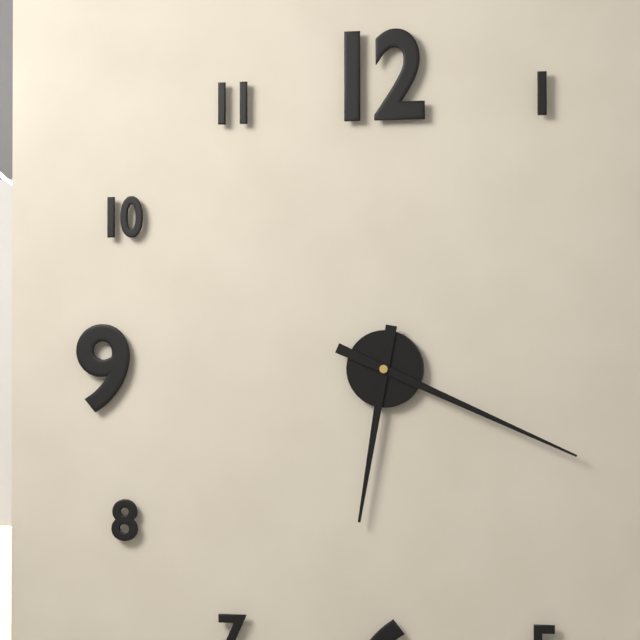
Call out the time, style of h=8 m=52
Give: h=6 m=19
